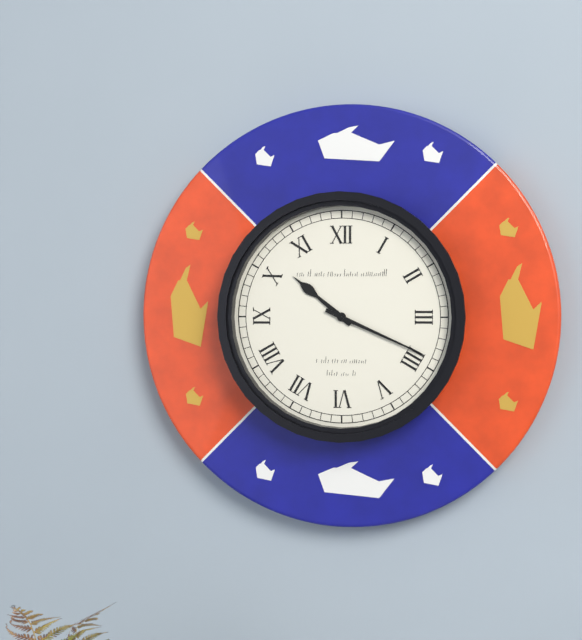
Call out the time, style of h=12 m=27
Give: h=10 m=19
